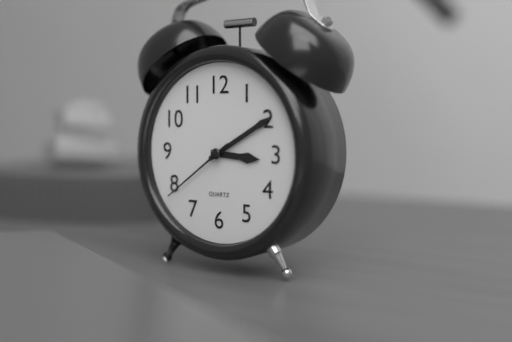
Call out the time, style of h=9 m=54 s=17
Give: h=3 m=10 s=39
